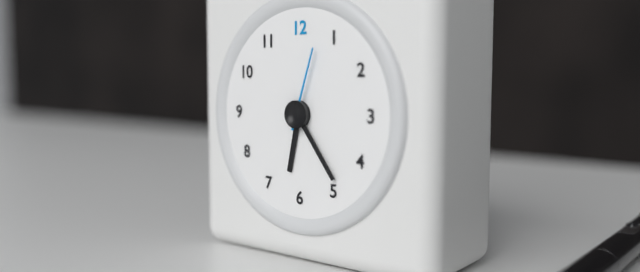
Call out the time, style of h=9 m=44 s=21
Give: h=6 m=24 s=3
